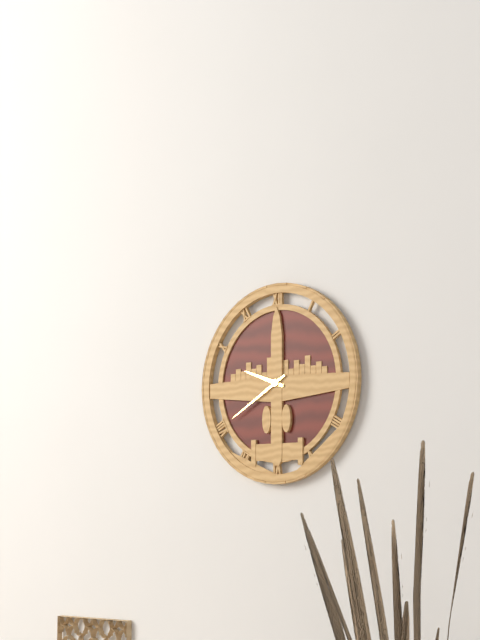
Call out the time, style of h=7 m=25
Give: h=9 m=40
